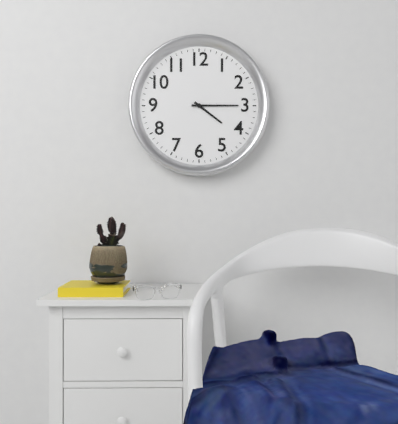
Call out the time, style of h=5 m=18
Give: h=4 m=15
